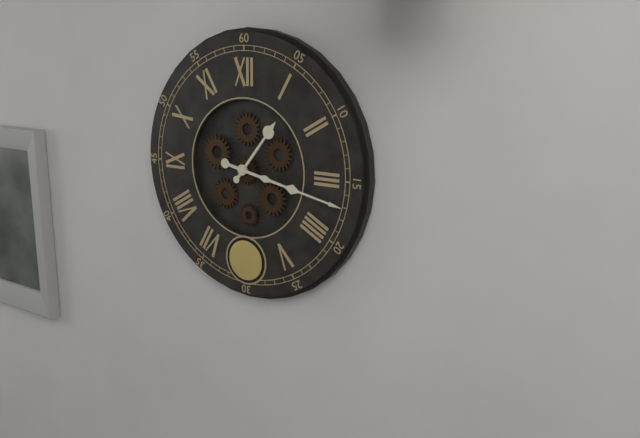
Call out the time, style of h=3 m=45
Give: h=1 m=17
